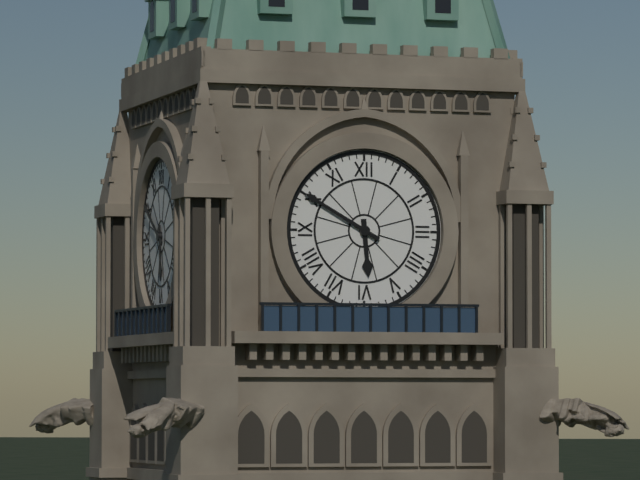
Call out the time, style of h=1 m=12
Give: h=5 m=50
